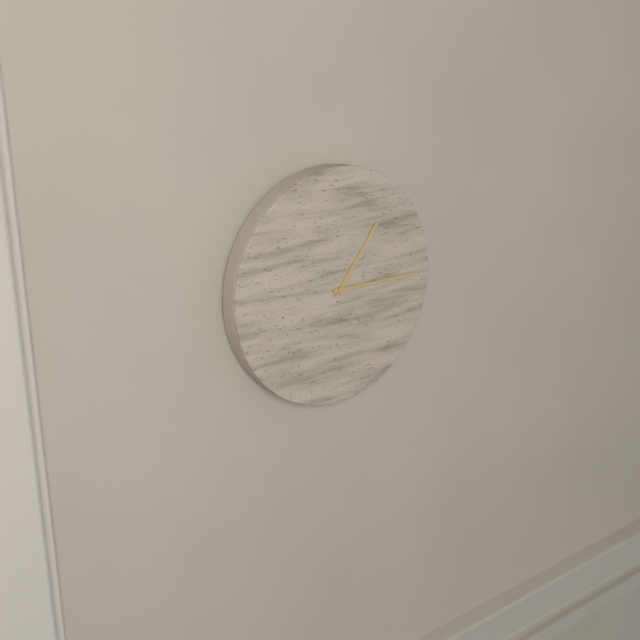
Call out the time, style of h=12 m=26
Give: h=1 m=15
